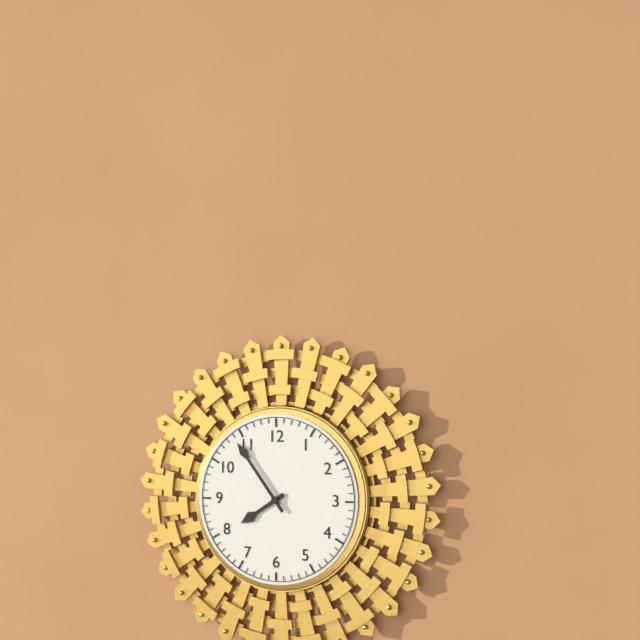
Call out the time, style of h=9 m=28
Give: h=7 m=54
